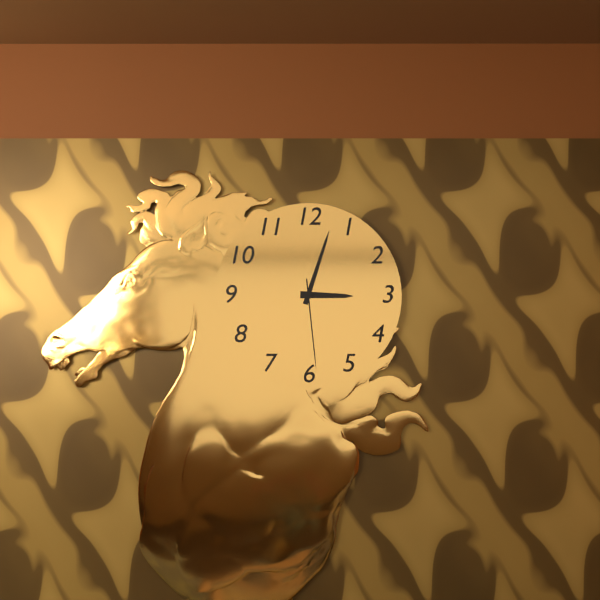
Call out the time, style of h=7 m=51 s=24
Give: h=3 m=3 s=29
